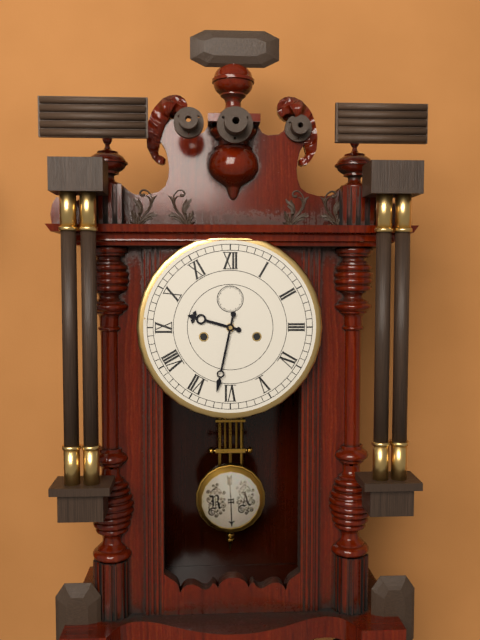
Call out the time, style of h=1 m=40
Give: h=9 m=32
